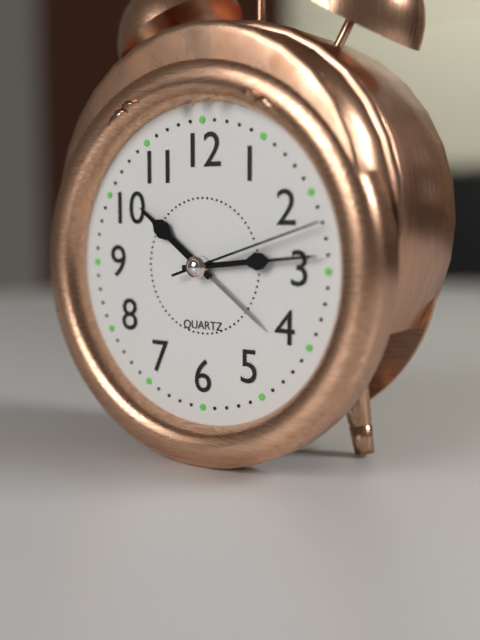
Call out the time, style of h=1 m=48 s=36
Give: h=10 m=14 s=12
